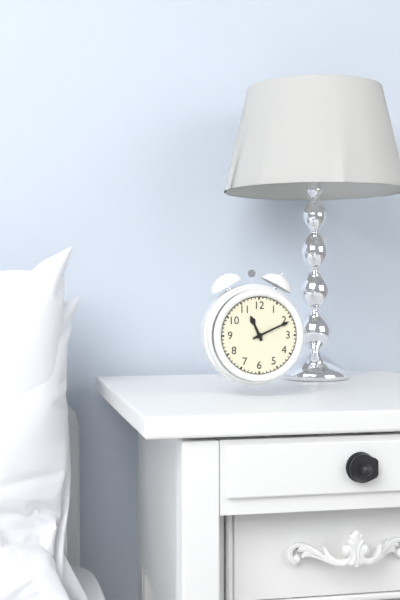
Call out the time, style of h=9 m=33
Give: h=11 m=11
